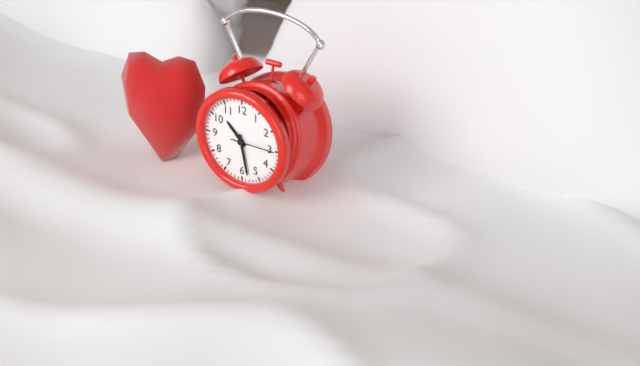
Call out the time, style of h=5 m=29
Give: h=10 m=28
